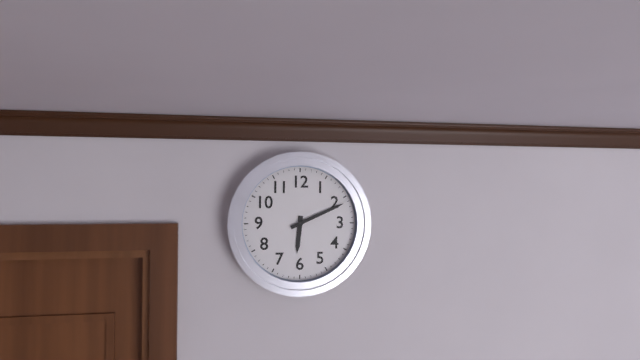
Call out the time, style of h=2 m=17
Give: h=6 m=11
